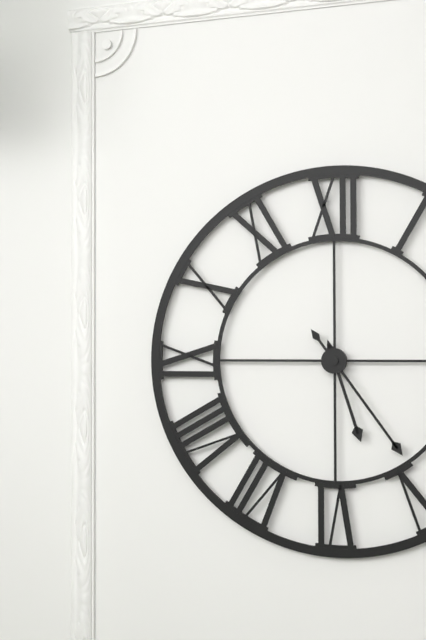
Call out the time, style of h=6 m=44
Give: h=5 m=24
